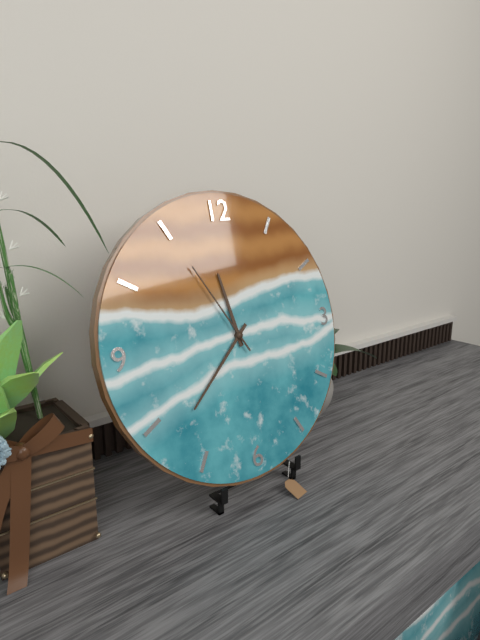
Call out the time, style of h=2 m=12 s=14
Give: h=11 m=38 s=55
